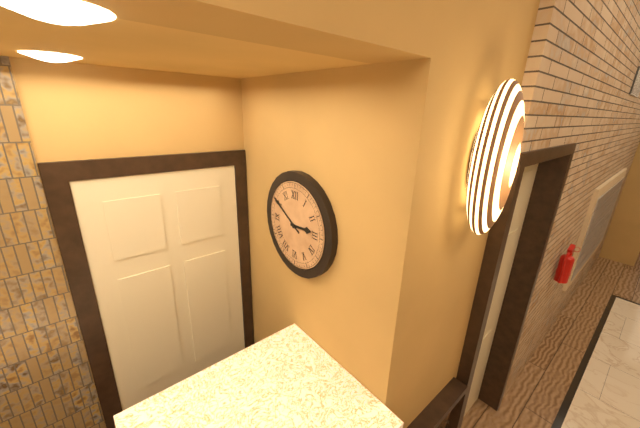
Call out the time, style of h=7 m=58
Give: h=2 m=50
